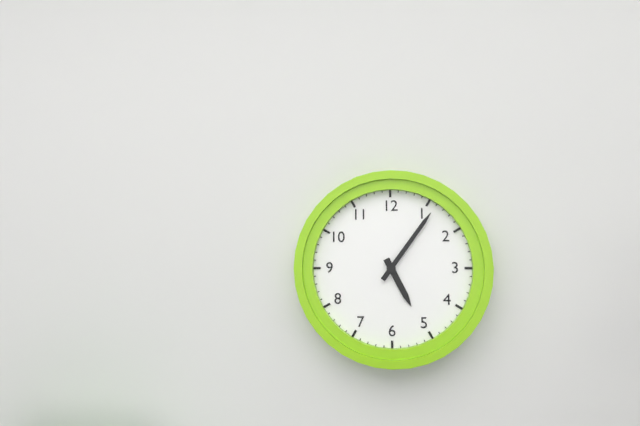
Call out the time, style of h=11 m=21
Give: h=5 m=6
